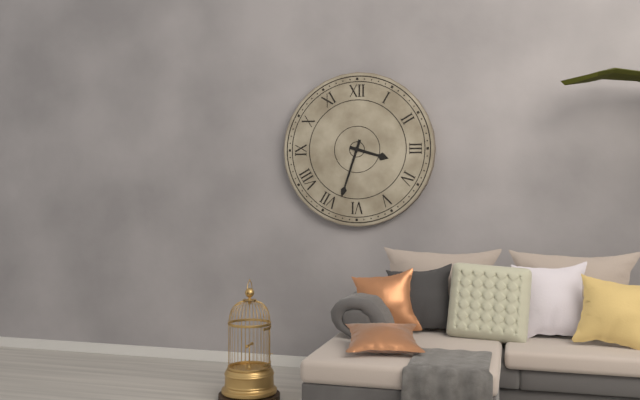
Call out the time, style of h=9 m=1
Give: h=3 m=33
